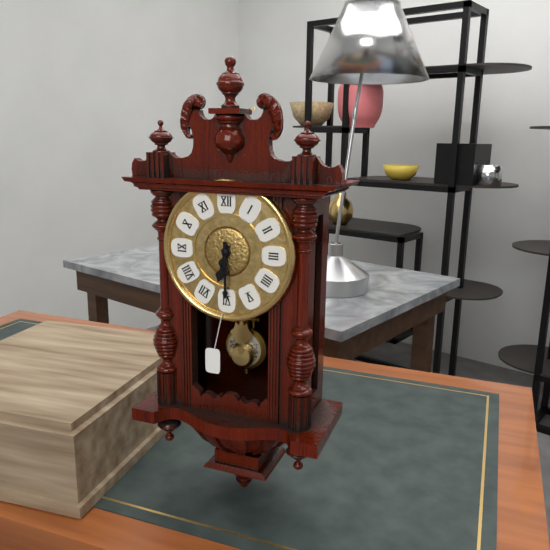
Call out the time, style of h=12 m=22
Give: h=6 m=30
